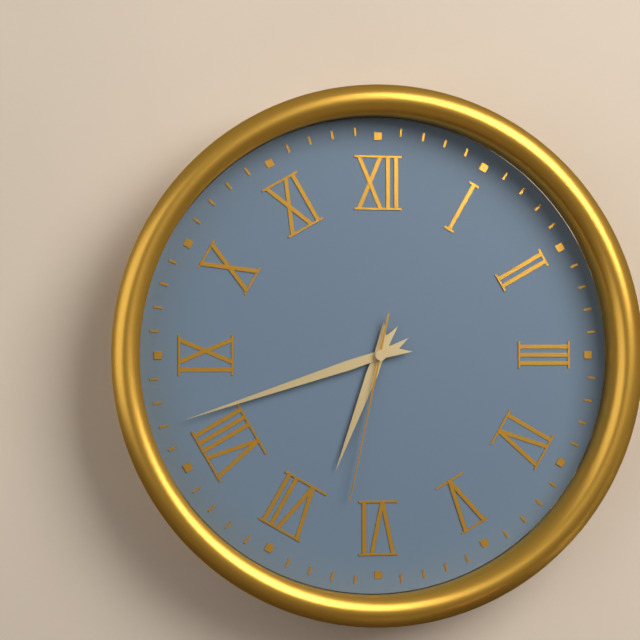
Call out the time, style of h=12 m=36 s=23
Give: h=6 m=42 s=32
